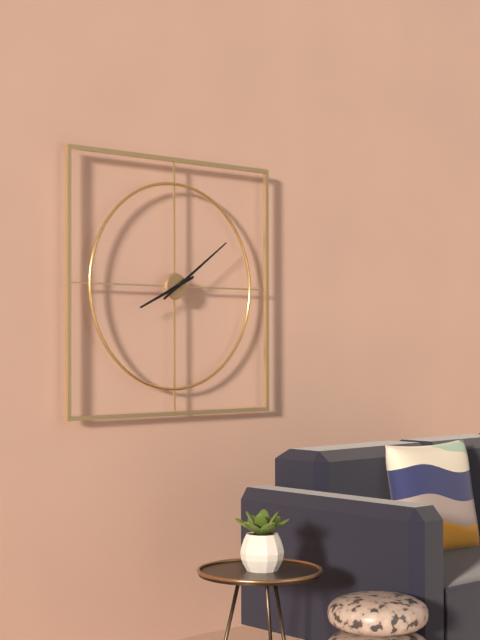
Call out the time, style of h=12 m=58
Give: h=8 m=9
